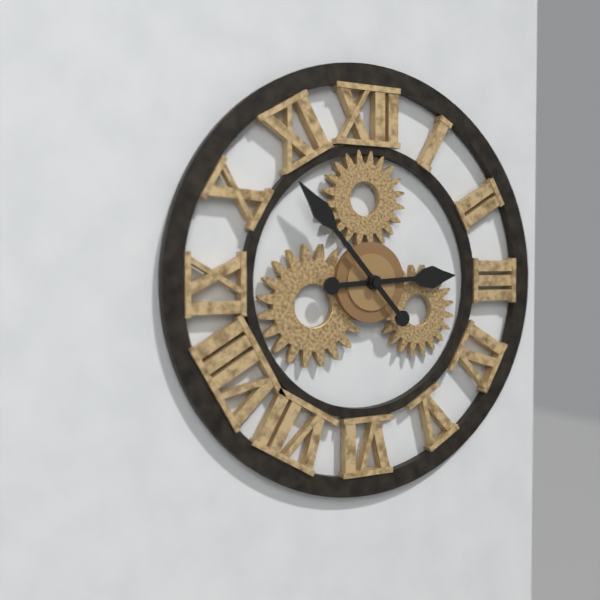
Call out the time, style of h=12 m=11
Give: h=2 m=53
